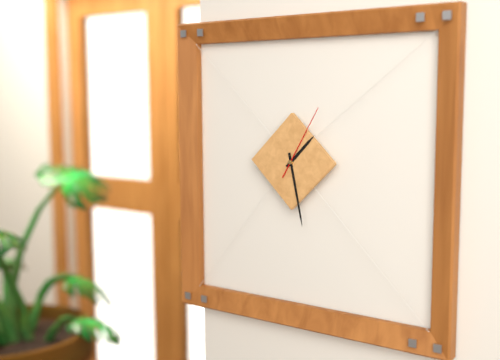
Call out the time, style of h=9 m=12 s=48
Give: h=1 m=28 s=5
